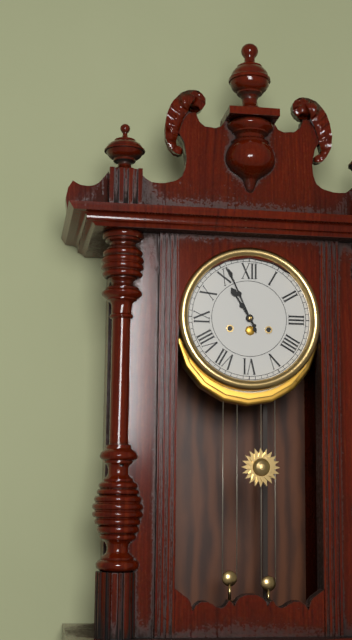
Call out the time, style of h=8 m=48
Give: h=10 m=56
